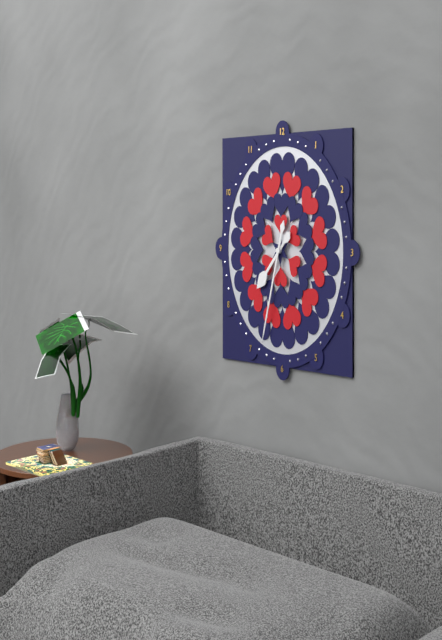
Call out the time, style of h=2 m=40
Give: h=7 m=33
